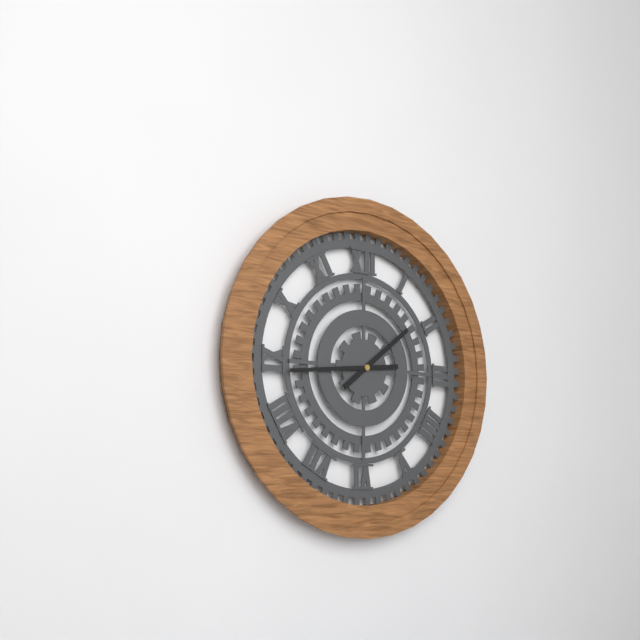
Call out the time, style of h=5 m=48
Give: h=1 m=44
